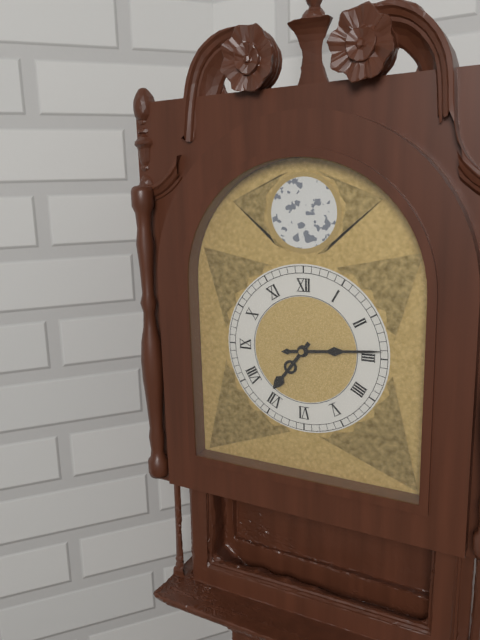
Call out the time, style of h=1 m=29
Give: h=7 m=14
